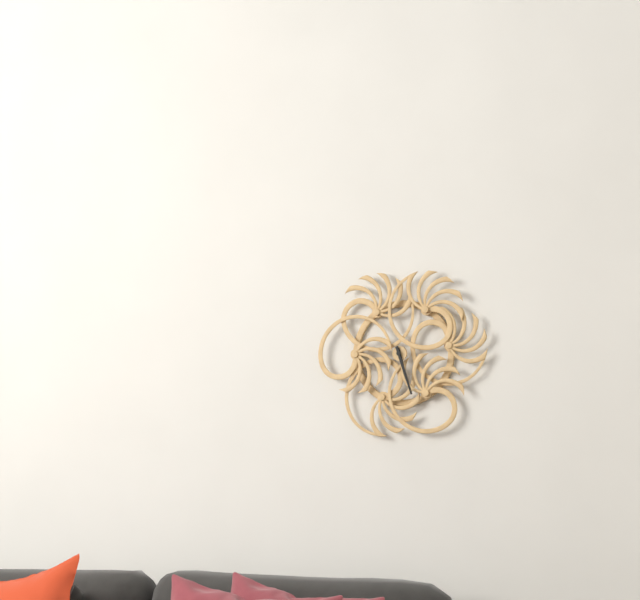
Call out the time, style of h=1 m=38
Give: h=5 m=27
